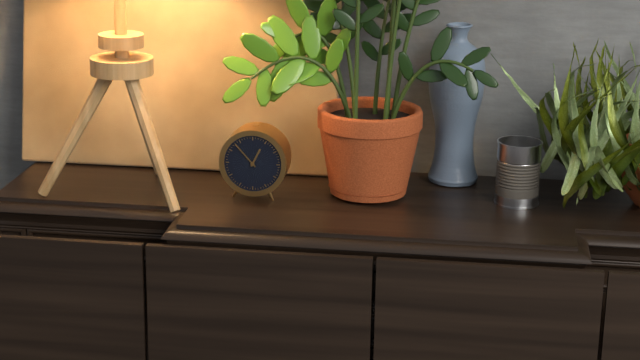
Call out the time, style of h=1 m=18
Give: h=12 m=53
